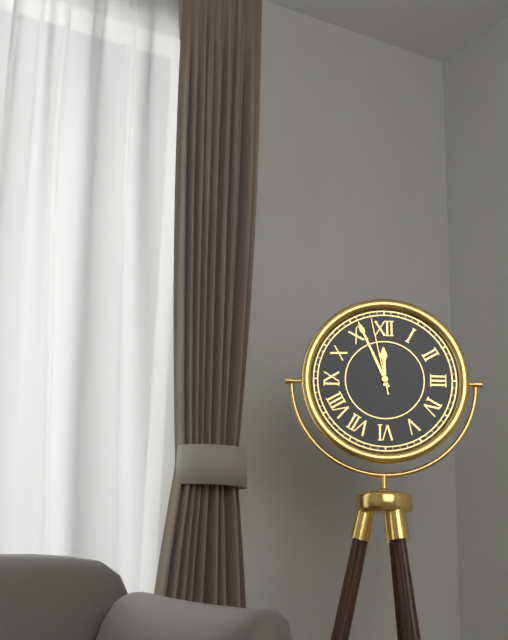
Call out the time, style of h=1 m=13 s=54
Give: h=11 m=56 s=58
